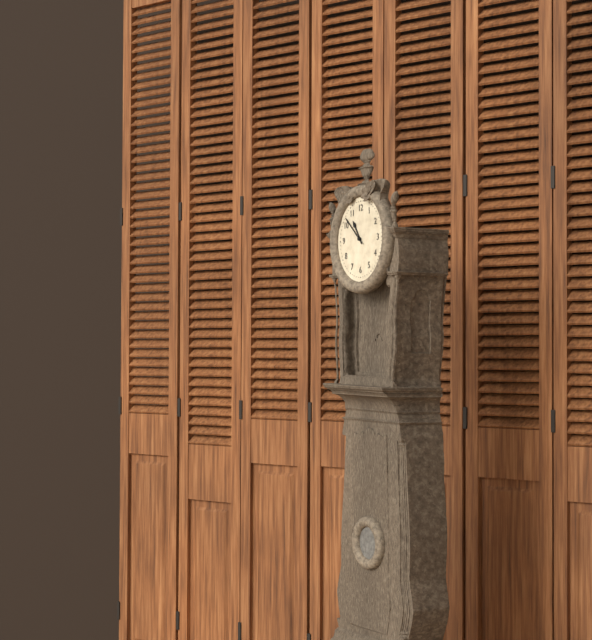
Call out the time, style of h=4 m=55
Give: h=10 m=52
